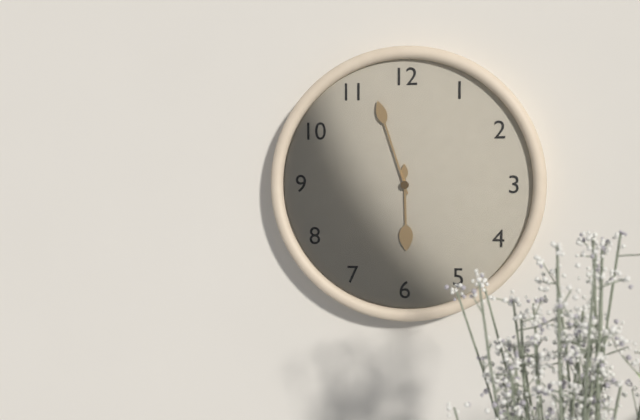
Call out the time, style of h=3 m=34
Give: h=5 m=57
